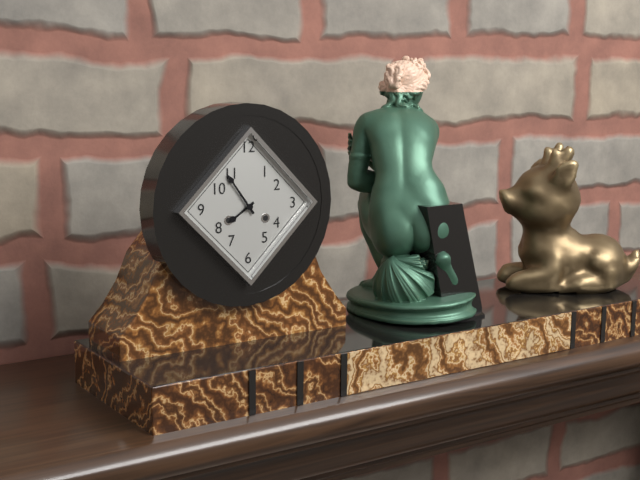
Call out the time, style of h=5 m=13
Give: h=7 m=54
